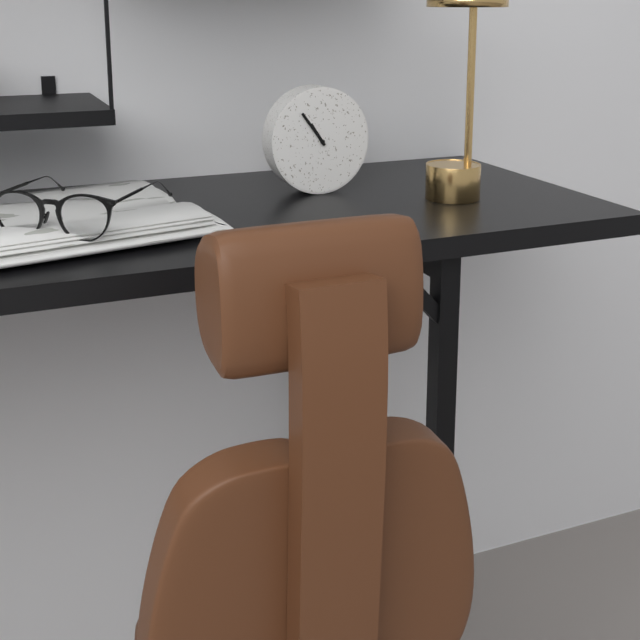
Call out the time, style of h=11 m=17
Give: h=10 m=54
